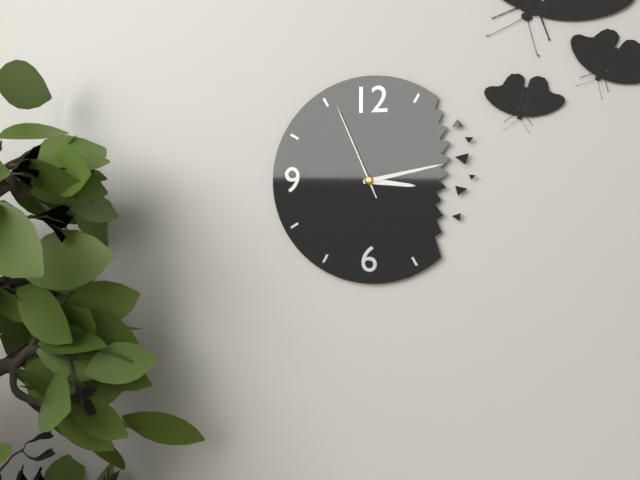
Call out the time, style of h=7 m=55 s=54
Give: h=3 m=13 s=56
